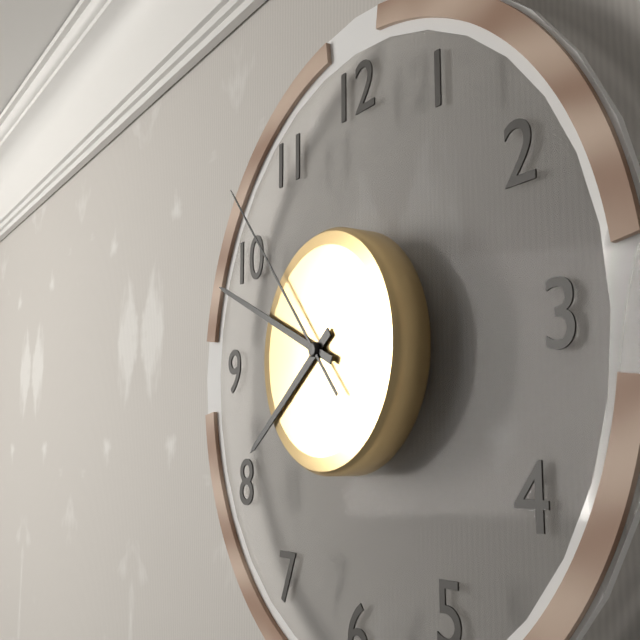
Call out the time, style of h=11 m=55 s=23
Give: h=7 m=49 s=53
